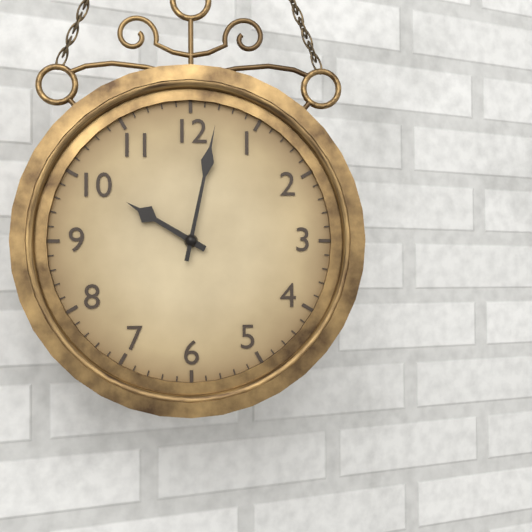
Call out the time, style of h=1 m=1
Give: h=10 m=2
